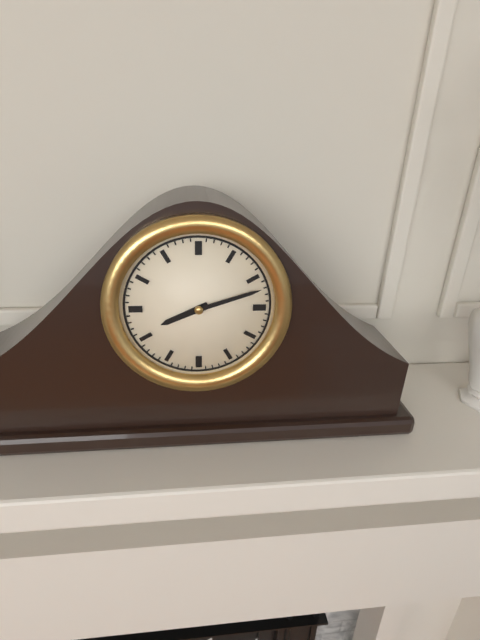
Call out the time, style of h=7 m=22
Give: h=8 m=12
